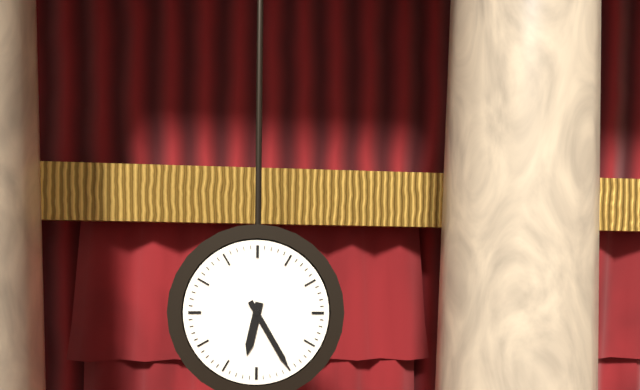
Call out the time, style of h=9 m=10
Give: h=6 m=25
